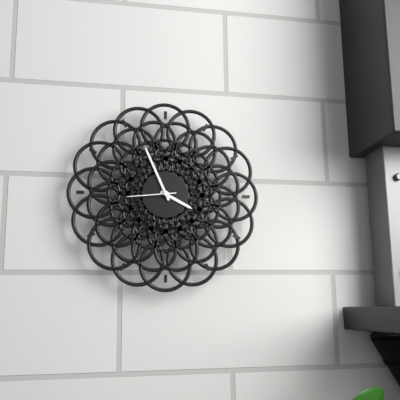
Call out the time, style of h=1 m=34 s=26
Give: h=3 m=56 s=44
